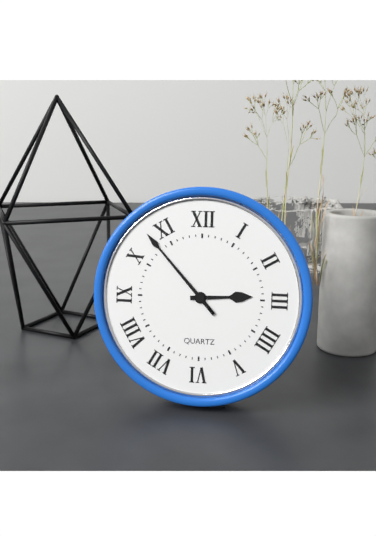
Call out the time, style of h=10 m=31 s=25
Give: h=2 m=53 s=53
